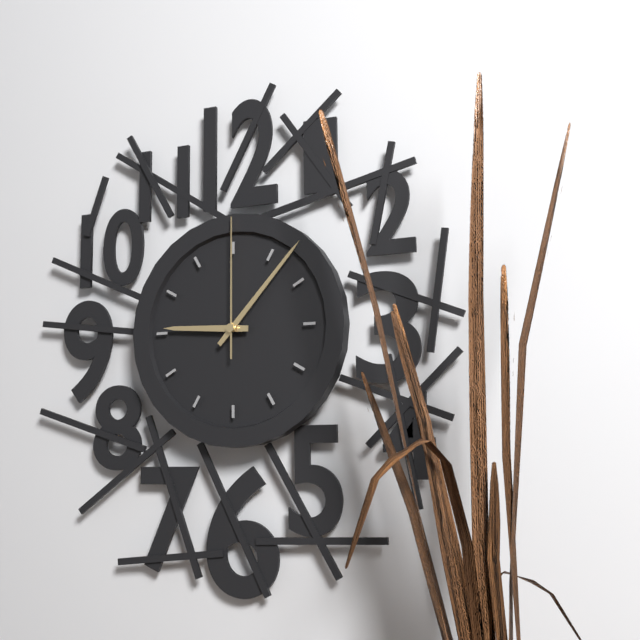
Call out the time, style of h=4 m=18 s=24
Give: h=9 m=7 s=0
